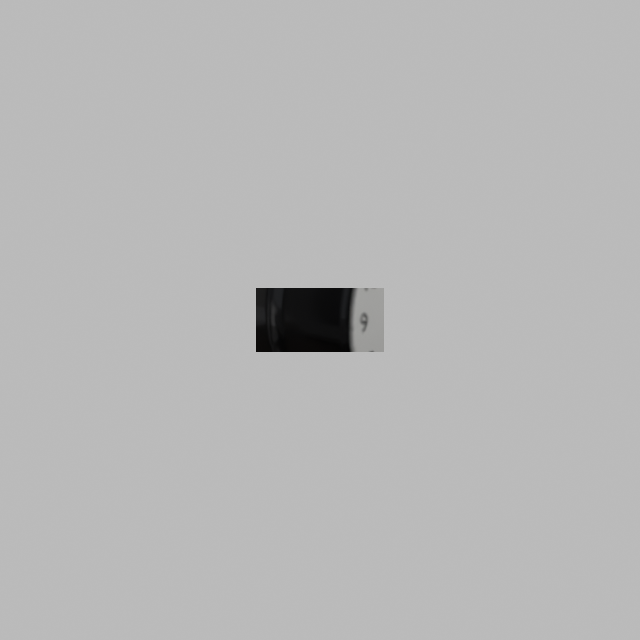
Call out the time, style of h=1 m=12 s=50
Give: h=3 m=15 s=5
